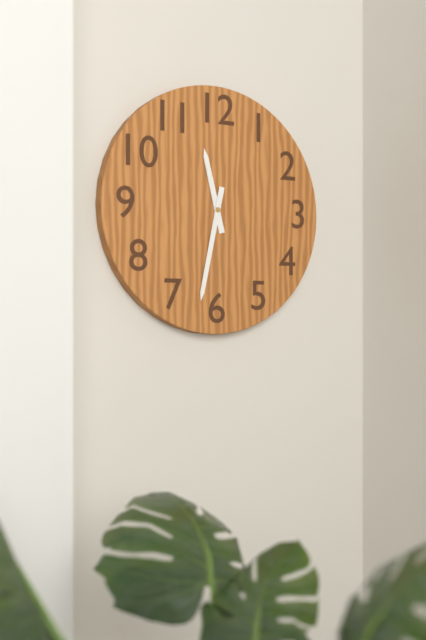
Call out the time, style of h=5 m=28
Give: h=11 m=32
